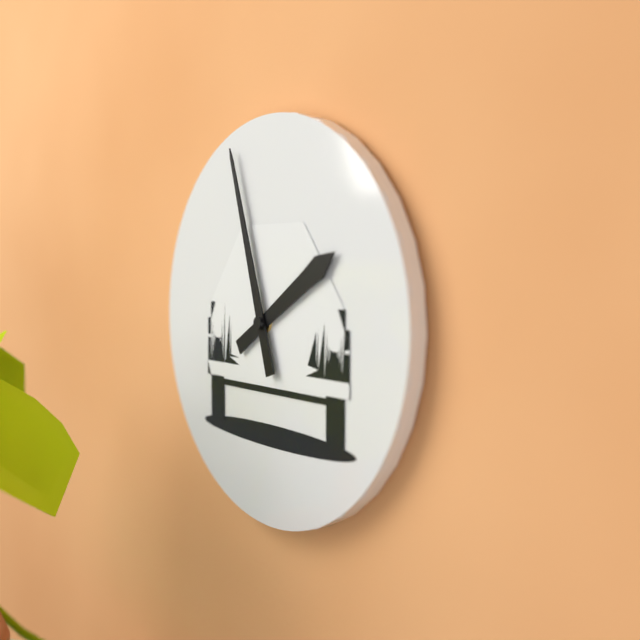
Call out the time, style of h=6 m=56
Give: h=1 m=57
